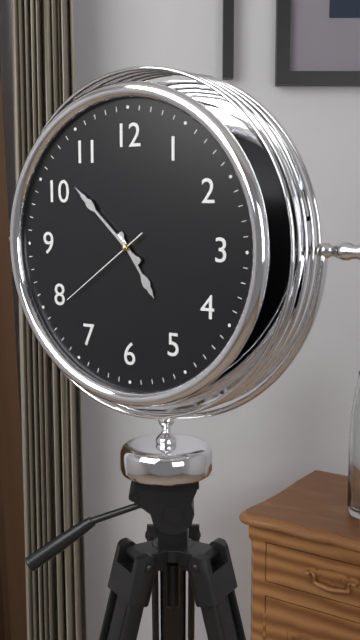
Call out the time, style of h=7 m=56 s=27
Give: h=4 m=52 s=39
